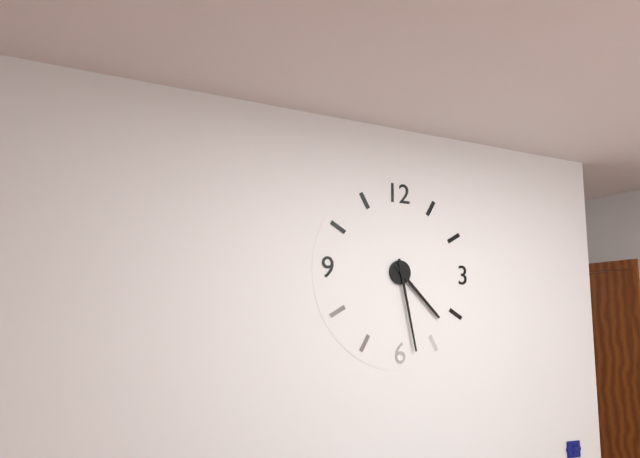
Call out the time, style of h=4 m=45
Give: h=4 m=28
